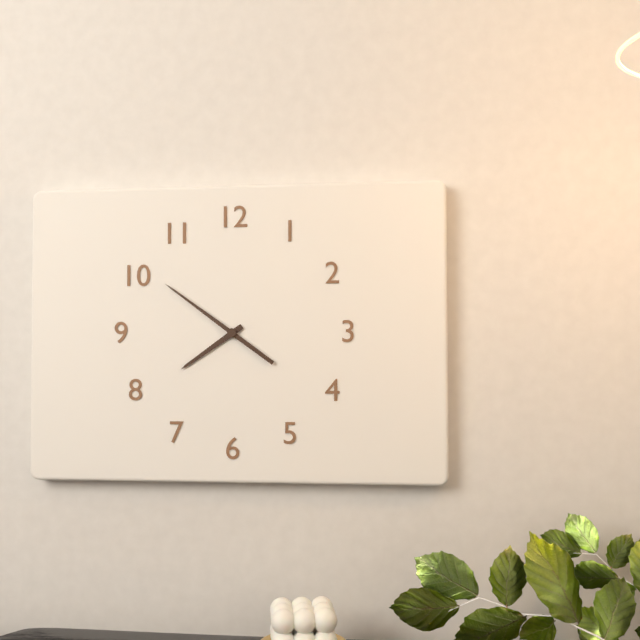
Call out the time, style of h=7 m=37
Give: h=7 m=51
